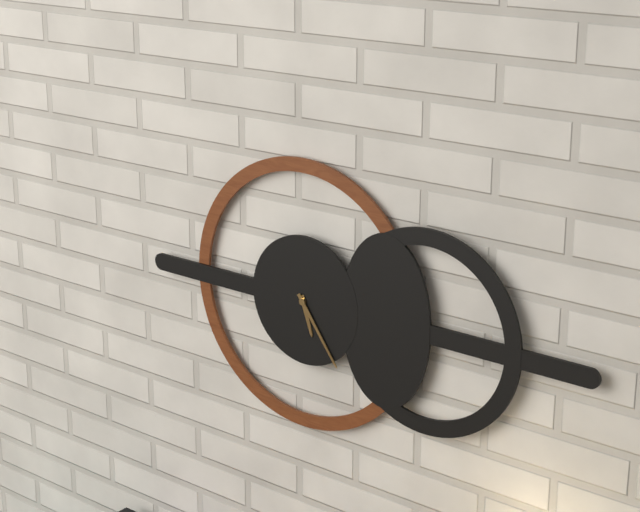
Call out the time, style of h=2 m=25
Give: h=5 m=24
